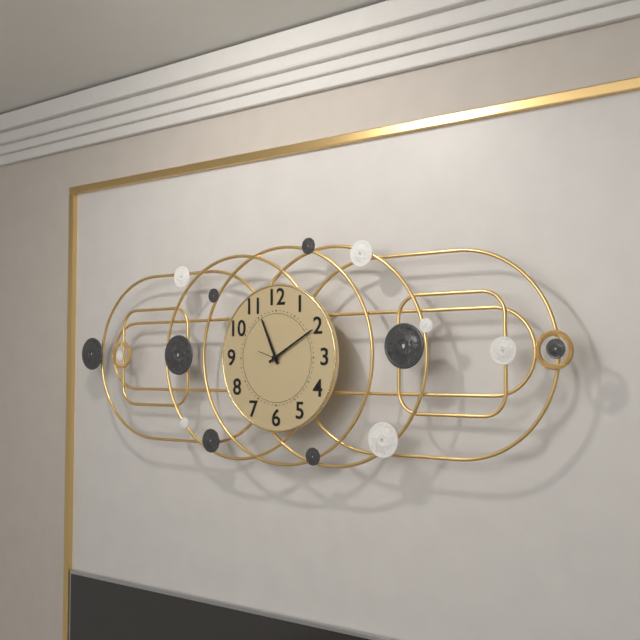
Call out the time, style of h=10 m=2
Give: h=11 m=10
